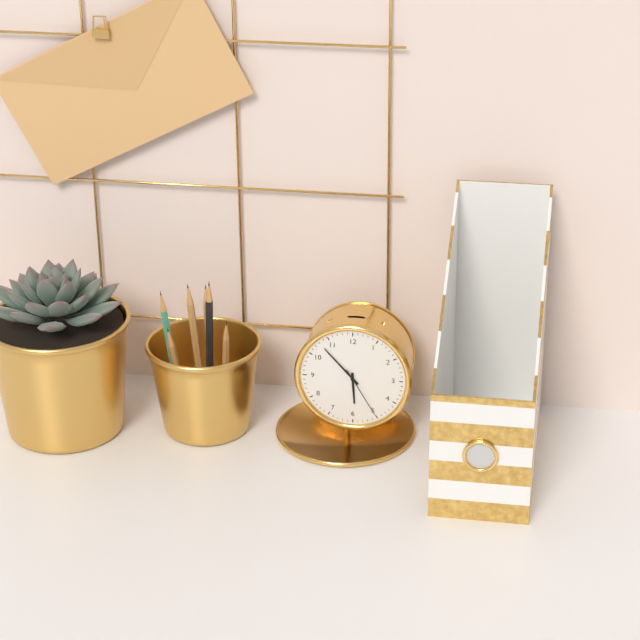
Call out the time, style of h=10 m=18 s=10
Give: h=5 m=53 s=25
